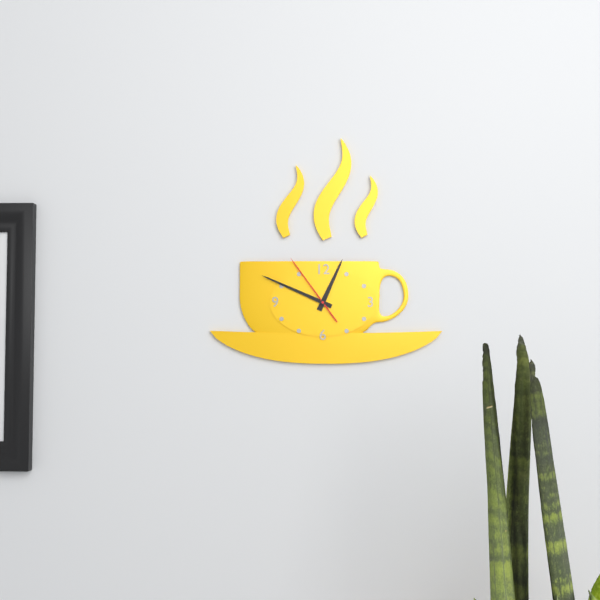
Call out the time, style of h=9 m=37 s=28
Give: h=12 m=49 s=54
